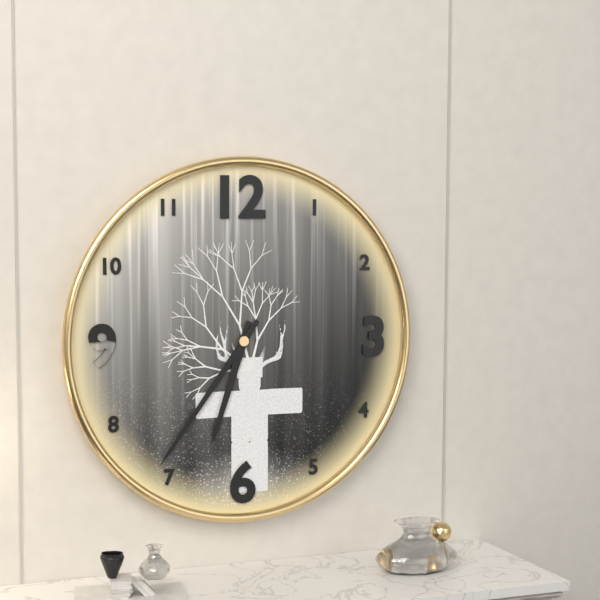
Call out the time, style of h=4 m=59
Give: h=6 m=36
